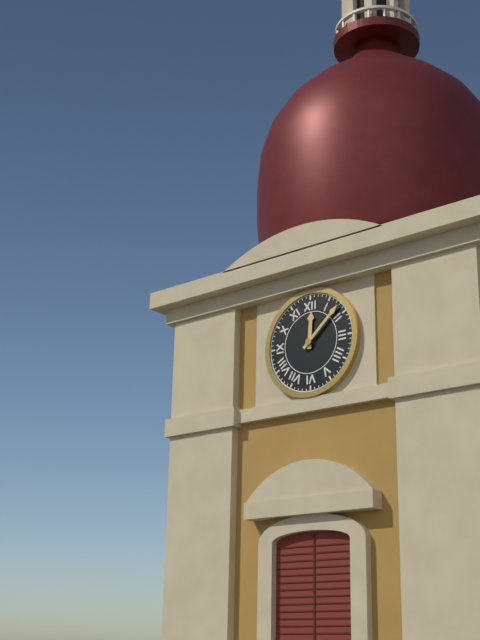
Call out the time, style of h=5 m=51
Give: h=12 m=8
